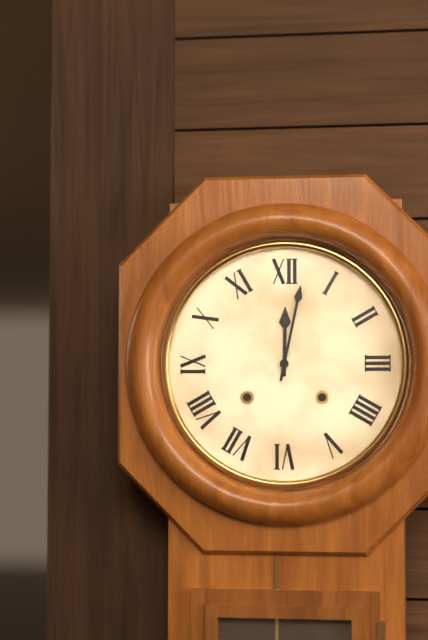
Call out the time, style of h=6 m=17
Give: h=12 m=2
